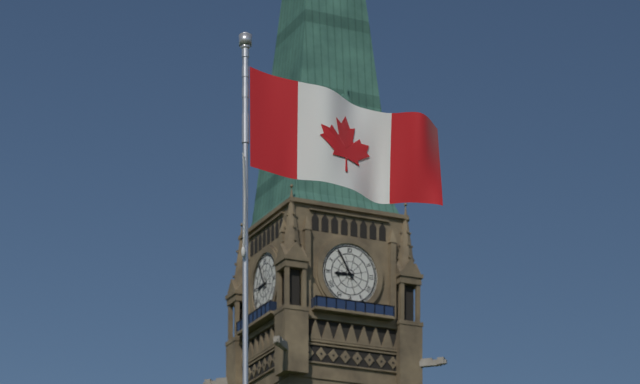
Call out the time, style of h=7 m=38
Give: h=8 m=55
